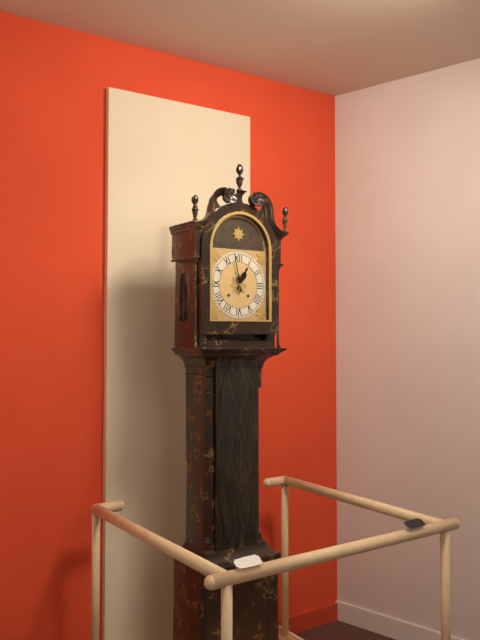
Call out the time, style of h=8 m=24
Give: h=12 m=58
